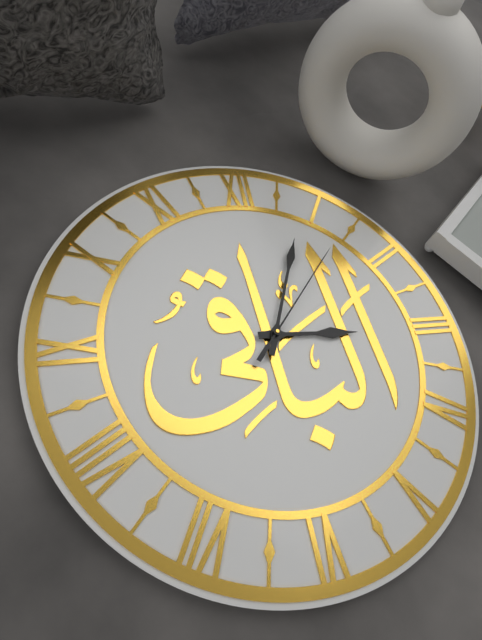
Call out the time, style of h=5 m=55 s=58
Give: h=3 m=4 s=7
